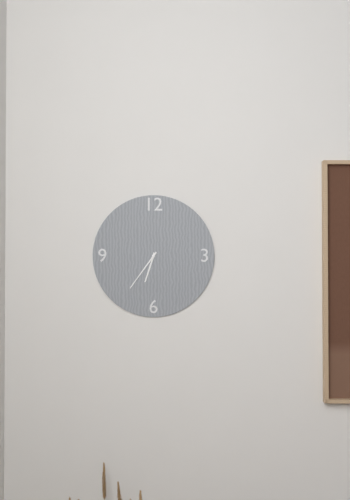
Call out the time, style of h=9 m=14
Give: h=6 m=36
